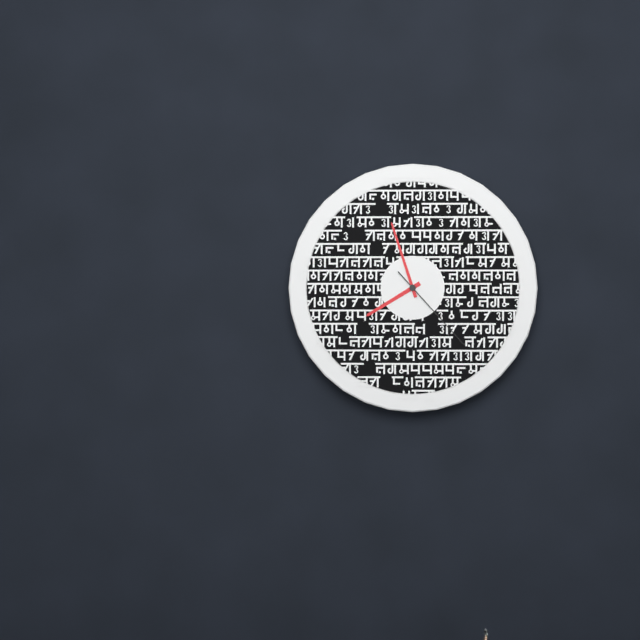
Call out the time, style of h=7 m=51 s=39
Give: h=7 m=57 s=23
